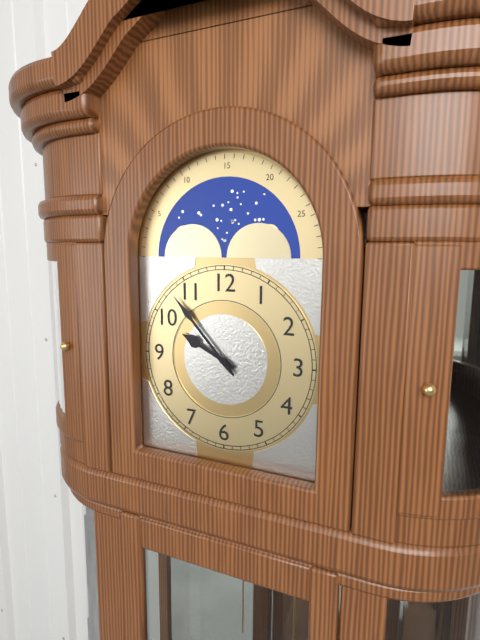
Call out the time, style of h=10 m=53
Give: h=9 m=53
